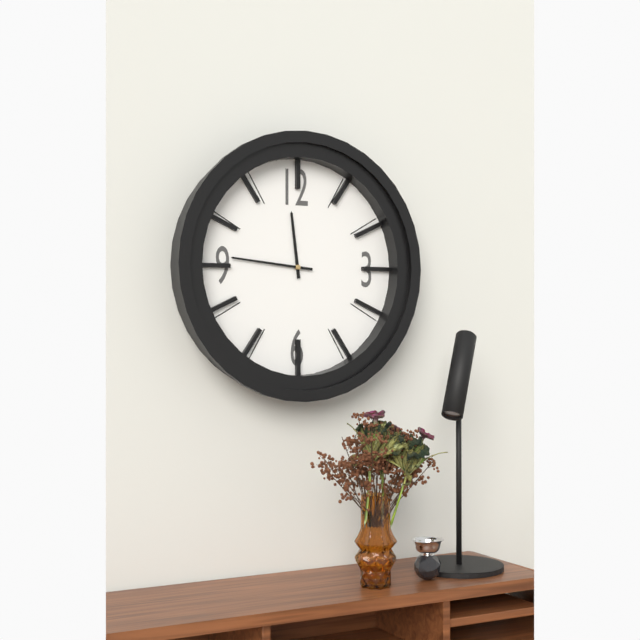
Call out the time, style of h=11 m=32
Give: h=11 m=46
